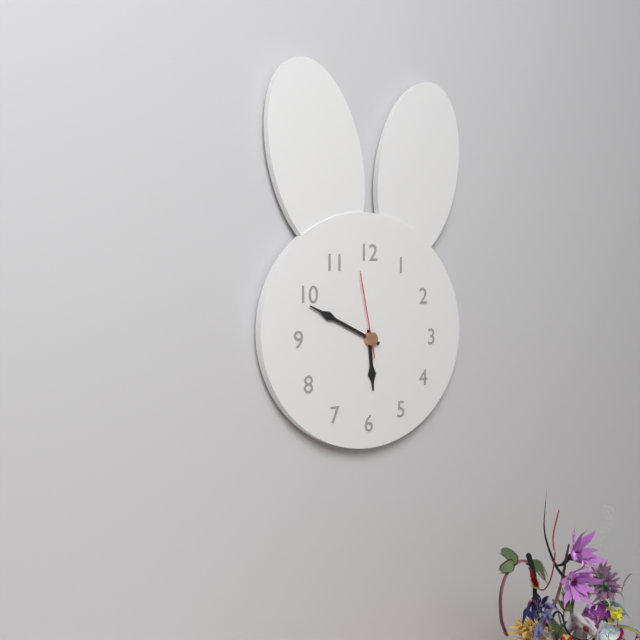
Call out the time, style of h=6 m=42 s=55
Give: h=5 m=49 s=58
